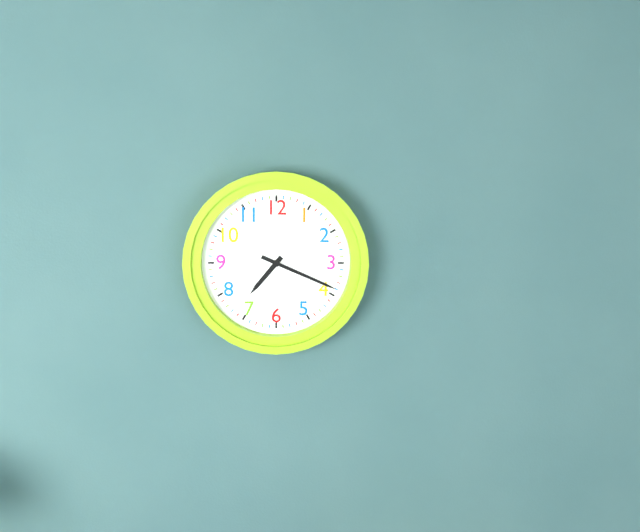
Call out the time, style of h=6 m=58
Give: h=7 m=19
